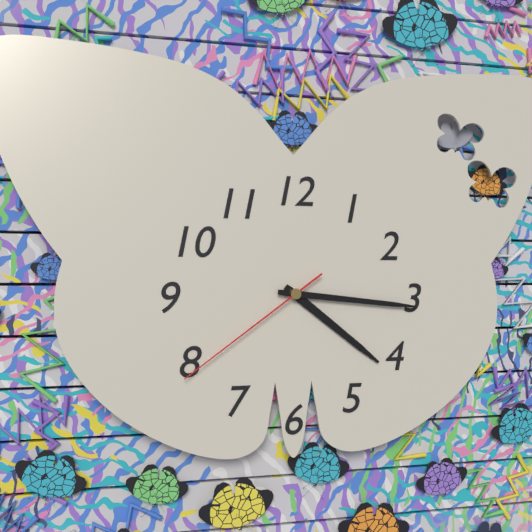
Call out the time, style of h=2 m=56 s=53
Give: h=4 m=16 s=39
